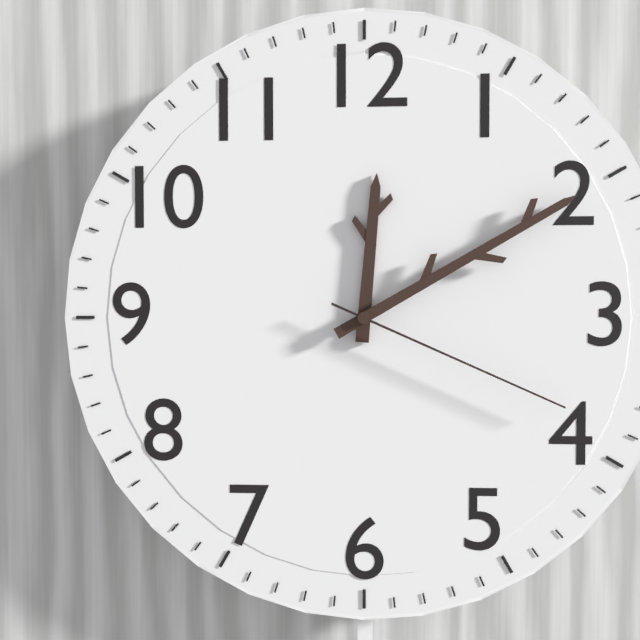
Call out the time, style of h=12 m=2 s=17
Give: h=12 m=10 s=19
